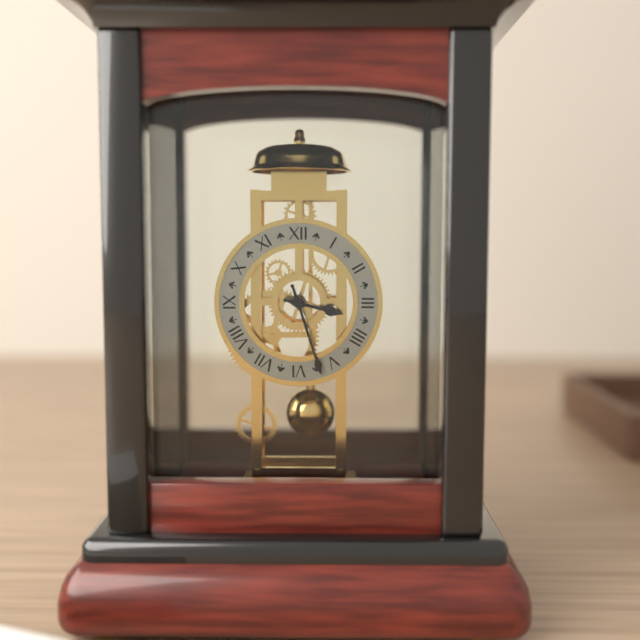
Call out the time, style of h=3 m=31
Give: h=3 m=27
